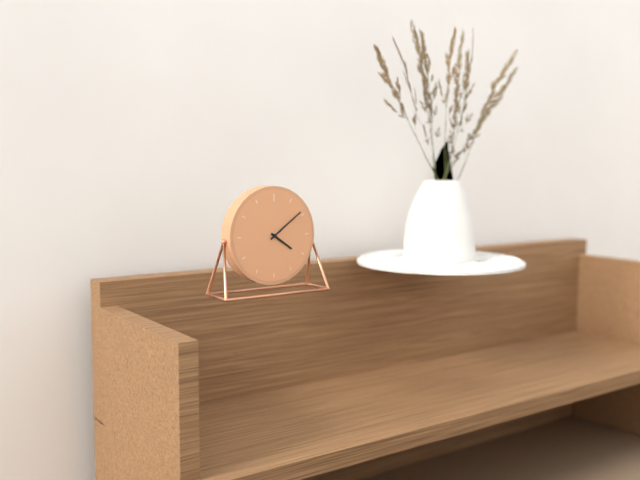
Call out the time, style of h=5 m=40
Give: h=4 m=9
